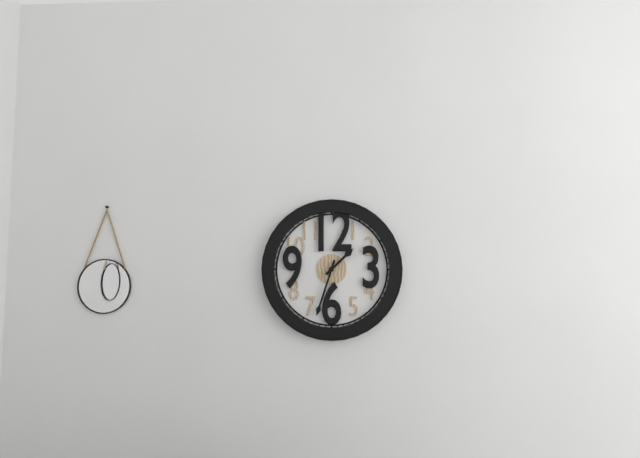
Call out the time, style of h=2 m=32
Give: h=1 m=33
